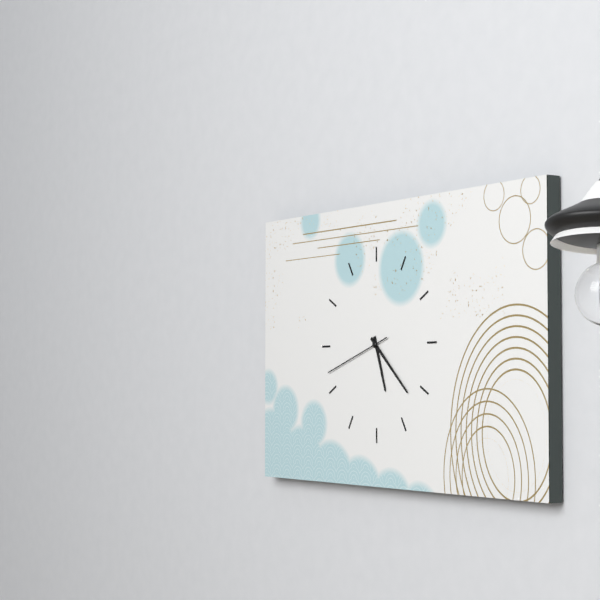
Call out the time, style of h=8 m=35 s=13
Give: h=5 m=22 s=42
